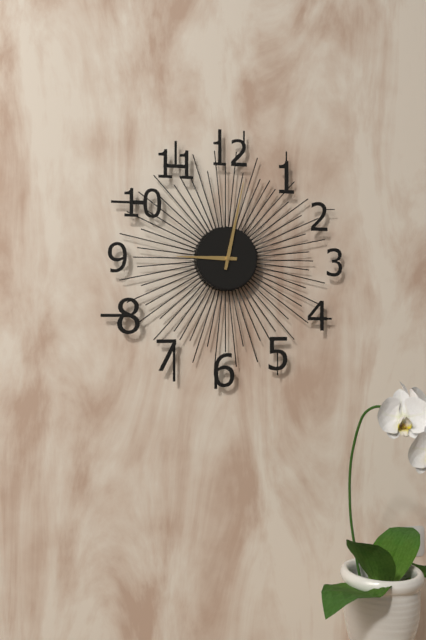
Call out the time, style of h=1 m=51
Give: h=9 m=2
